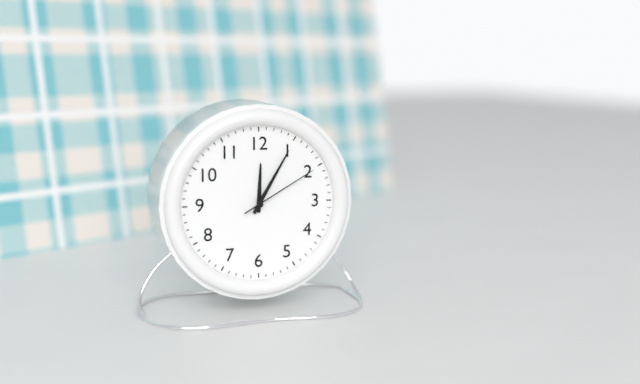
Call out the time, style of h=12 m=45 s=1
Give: h=12 m=5 s=10
